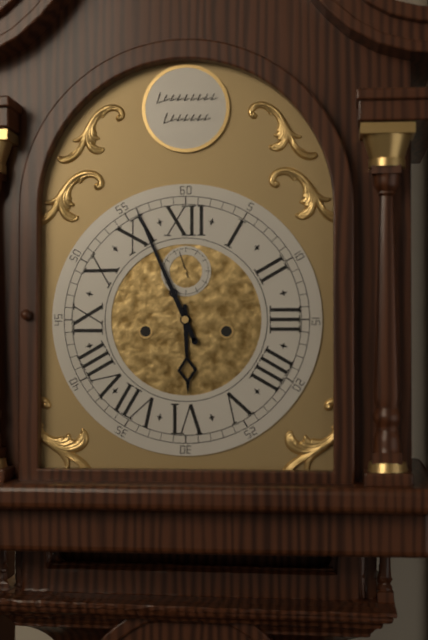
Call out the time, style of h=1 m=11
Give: h=5 m=56
